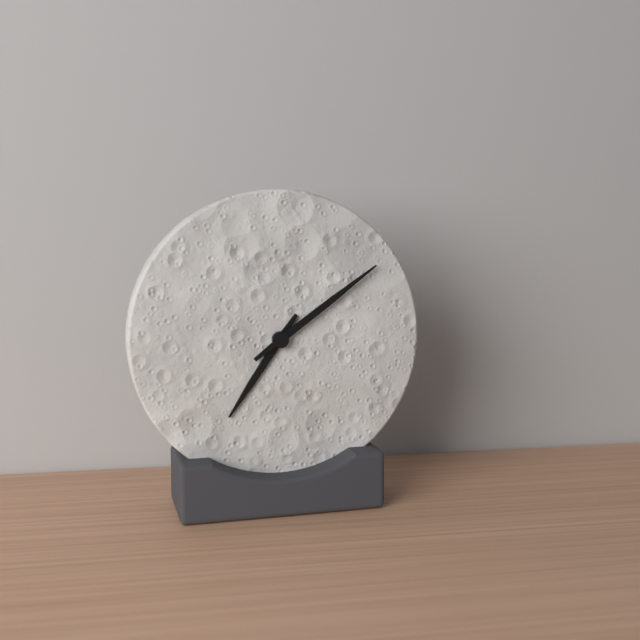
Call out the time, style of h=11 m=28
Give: h=7 m=9
